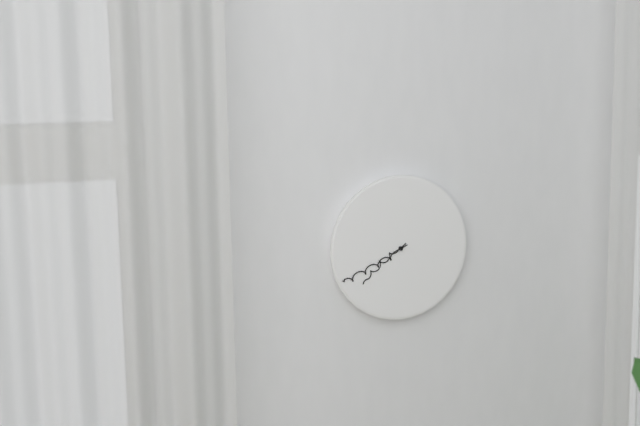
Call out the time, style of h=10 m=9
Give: h=7 m=41
